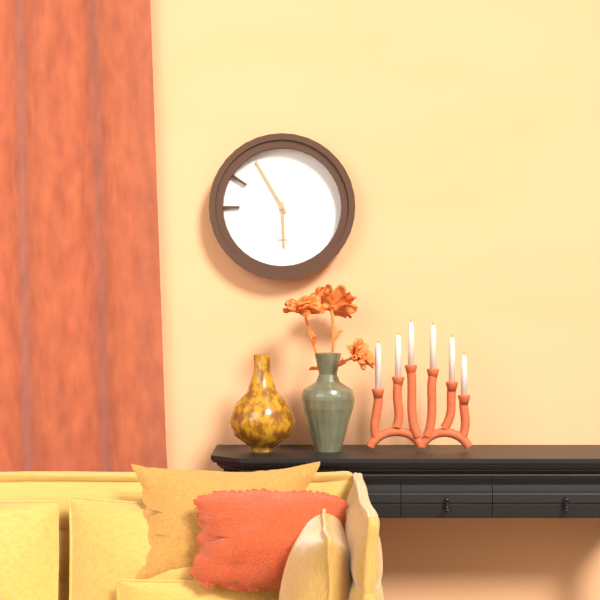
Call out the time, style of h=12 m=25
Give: h=5 m=55
